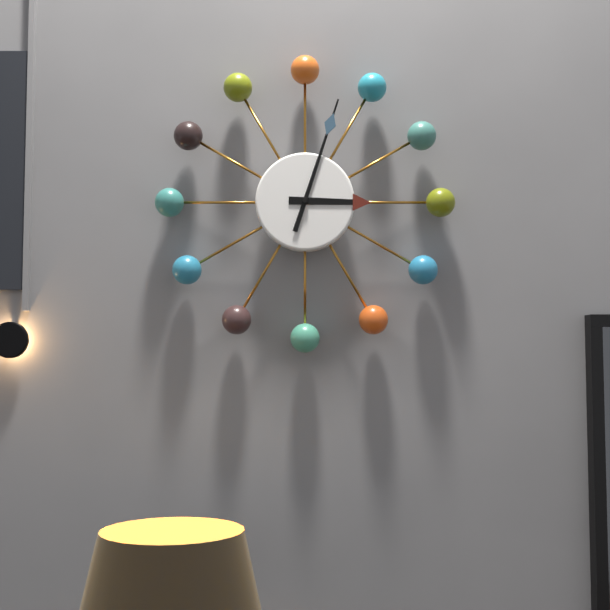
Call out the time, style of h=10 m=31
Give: h=3 m=3
